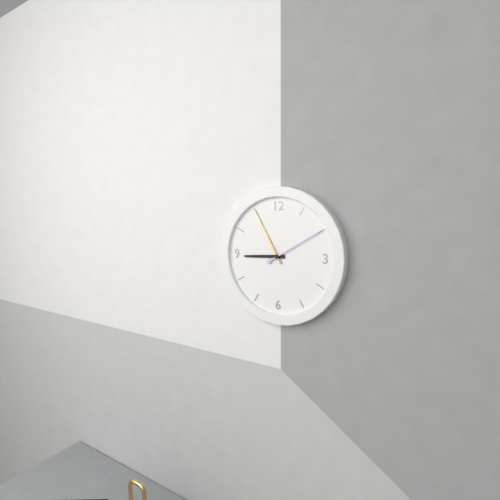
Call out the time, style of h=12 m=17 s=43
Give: h=8 m=55 s=10
